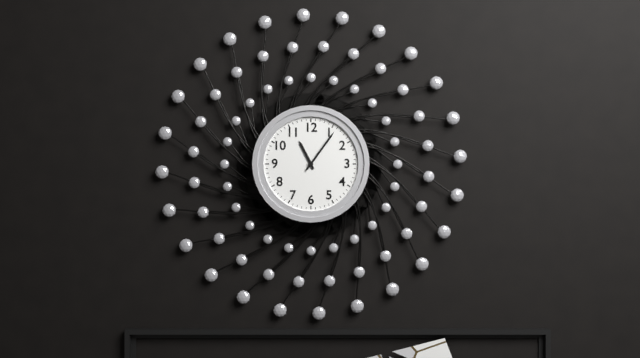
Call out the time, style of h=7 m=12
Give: h=11 m=6
